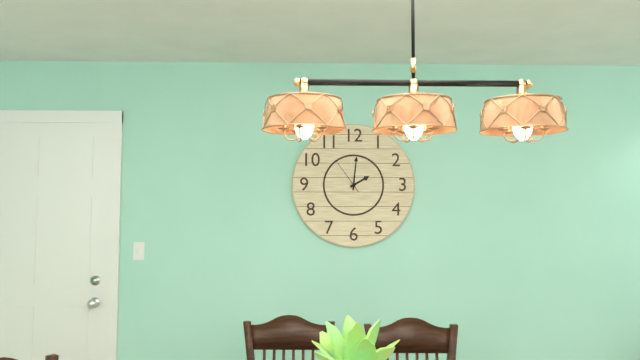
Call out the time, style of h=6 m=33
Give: h=2 m=1
